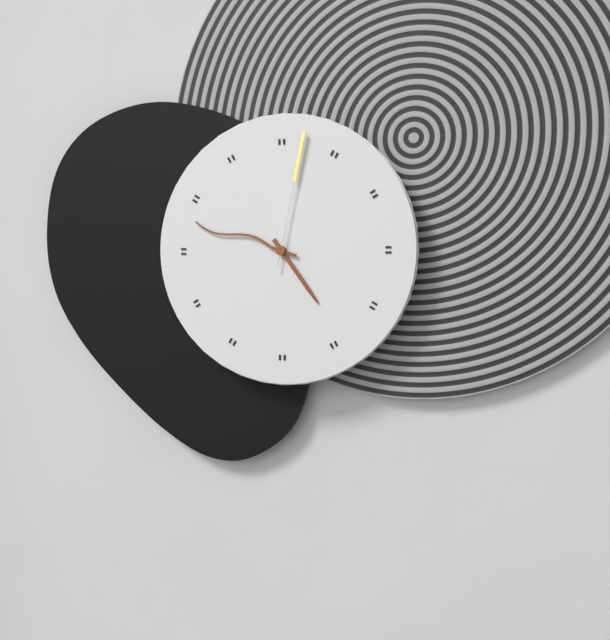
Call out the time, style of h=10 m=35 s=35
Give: h=4 m=48 s=2
